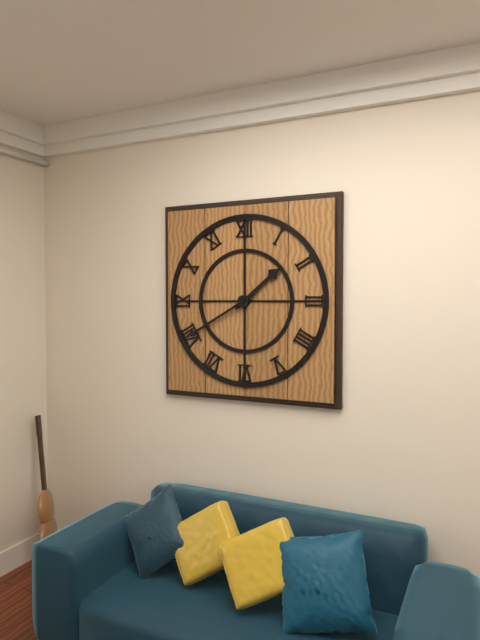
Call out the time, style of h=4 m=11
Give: h=1 m=40
